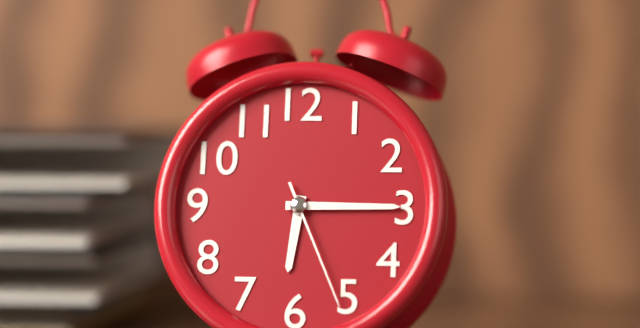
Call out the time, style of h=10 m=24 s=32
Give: h=6 m=15 s=26
